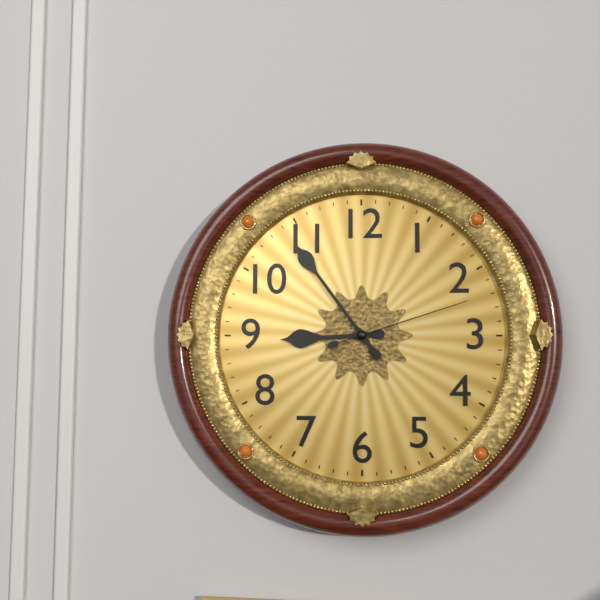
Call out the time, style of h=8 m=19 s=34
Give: h=8 m=54 s=12
